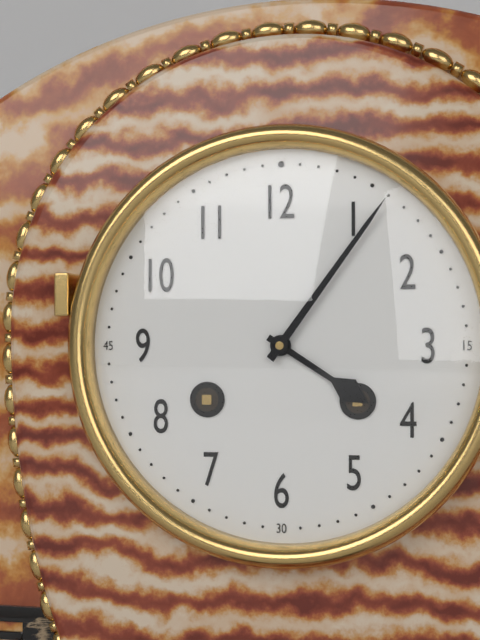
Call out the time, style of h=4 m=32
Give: h=4 m=6
